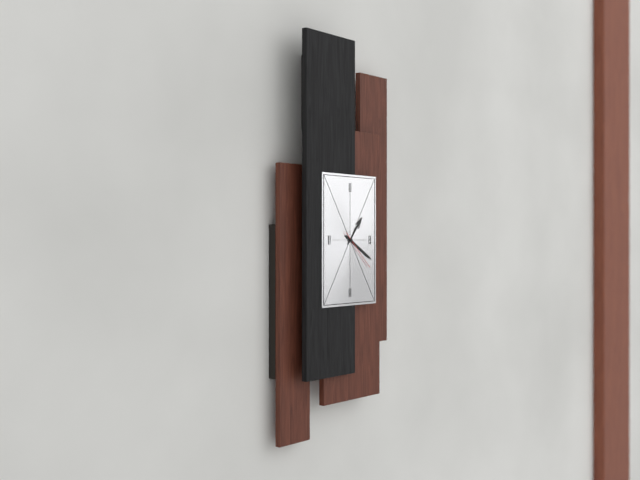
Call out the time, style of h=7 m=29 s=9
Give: h=1 m=20 s=22
